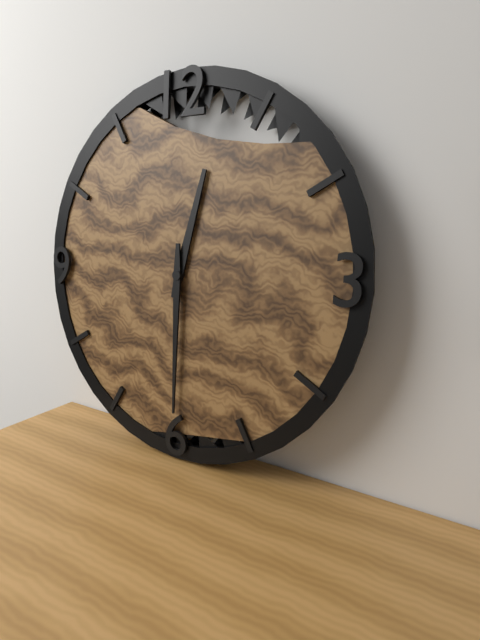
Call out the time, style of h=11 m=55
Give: h=12 m=30
